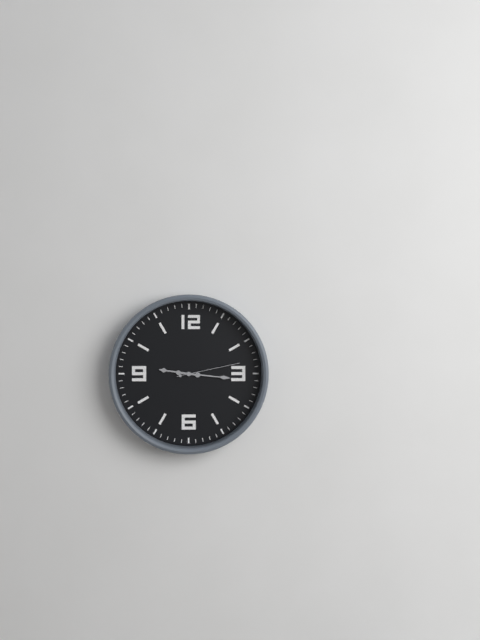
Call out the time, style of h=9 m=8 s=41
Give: h=9 m=16 s=13
